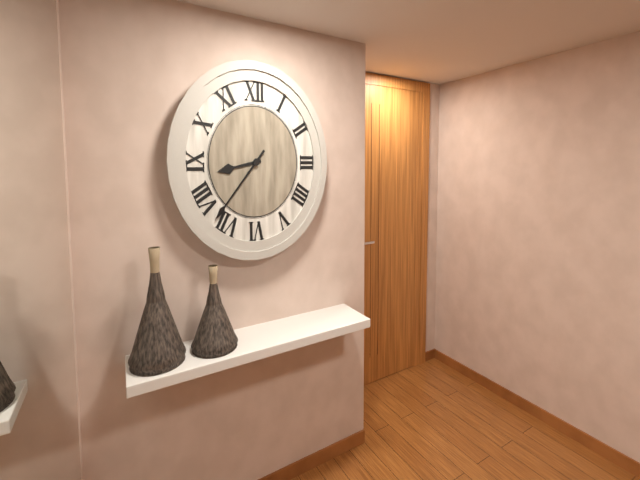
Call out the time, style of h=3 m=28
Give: h=8 m=37
